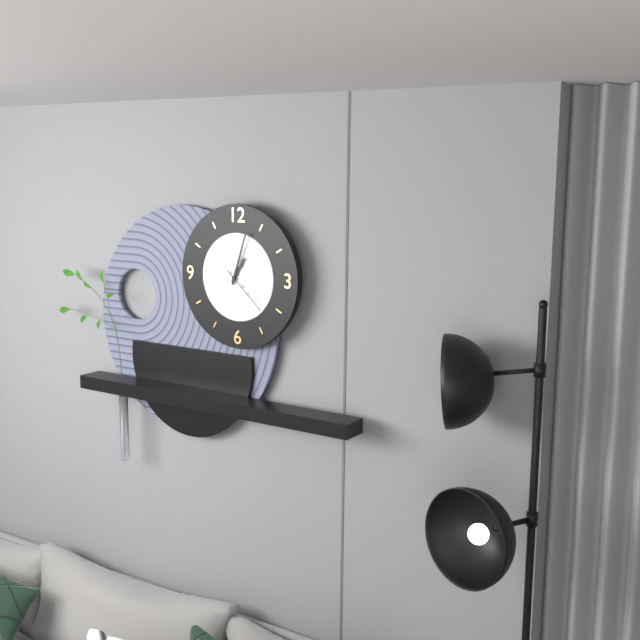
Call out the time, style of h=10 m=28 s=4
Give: h=1 m=3 s=22
